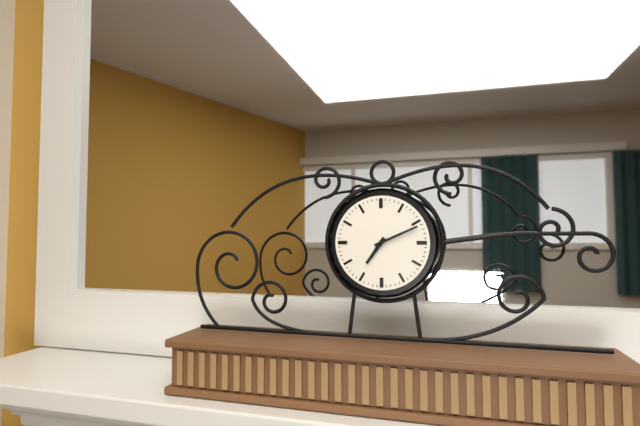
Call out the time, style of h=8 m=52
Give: h=7 m=11
